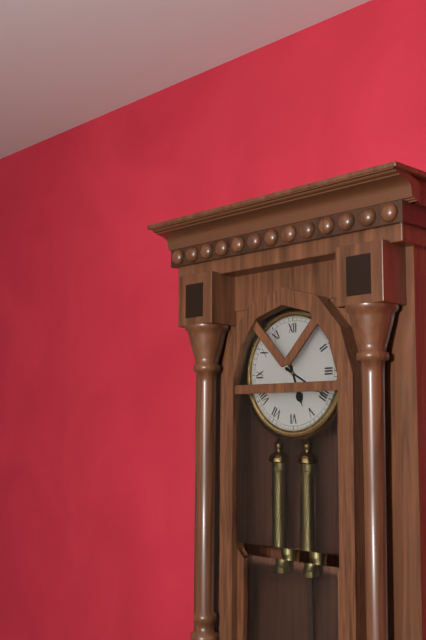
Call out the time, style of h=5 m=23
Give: h=5 m=20
